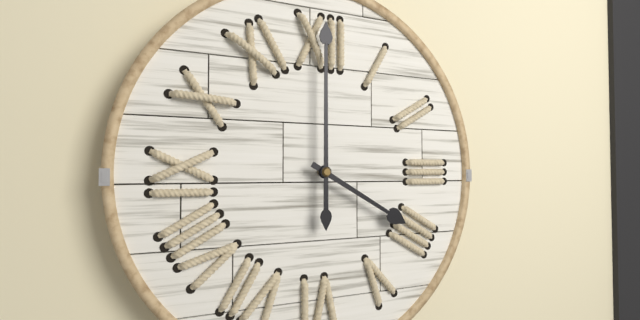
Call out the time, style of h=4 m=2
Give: h=4 m=0
